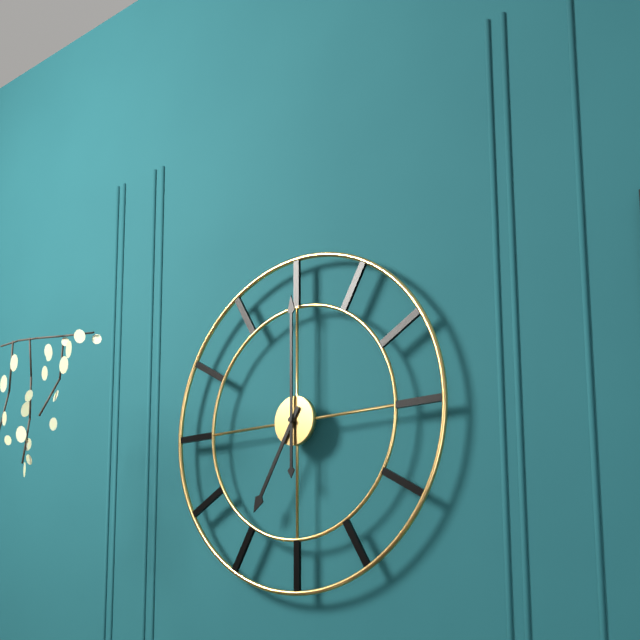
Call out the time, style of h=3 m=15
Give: h=7 m=0
